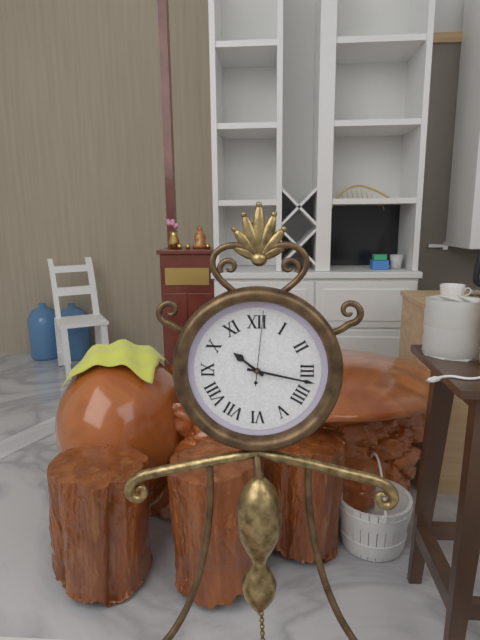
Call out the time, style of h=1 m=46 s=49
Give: h=10 m=17 s=1
